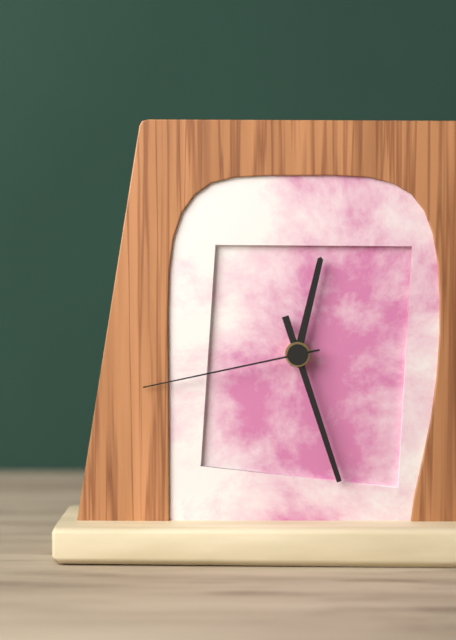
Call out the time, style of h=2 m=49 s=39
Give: h=12 m=27 s=43
